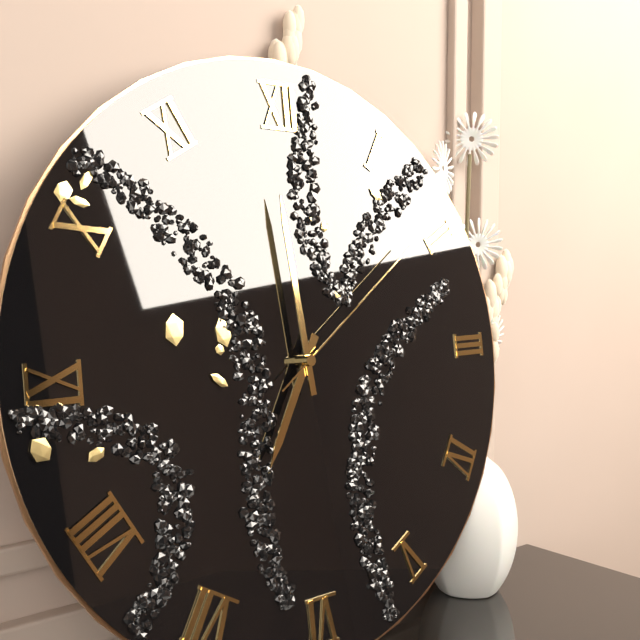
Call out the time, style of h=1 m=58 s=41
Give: h=6 m=59 s=9
